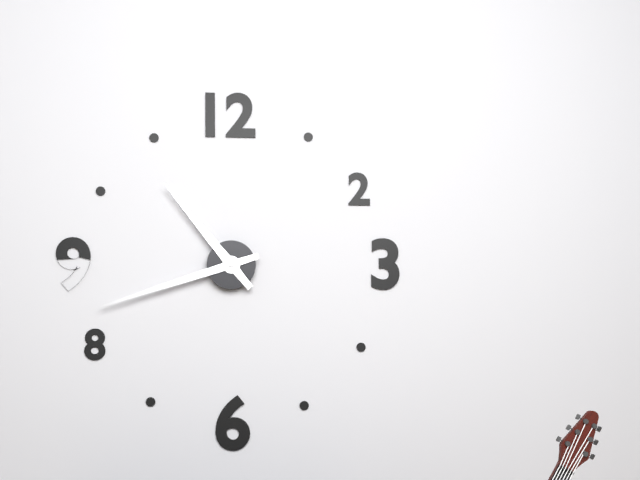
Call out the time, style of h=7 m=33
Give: h=10 m=42
